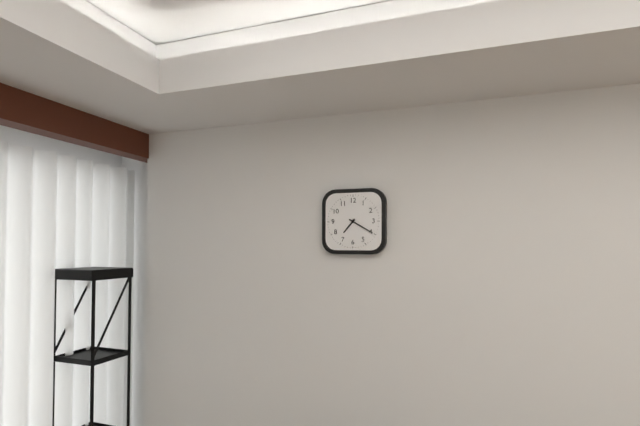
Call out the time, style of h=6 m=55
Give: h=7 m=20
